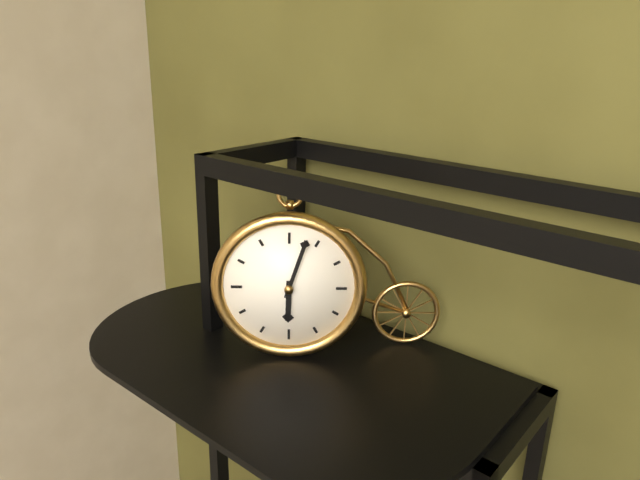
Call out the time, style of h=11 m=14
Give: h=6 m=3
